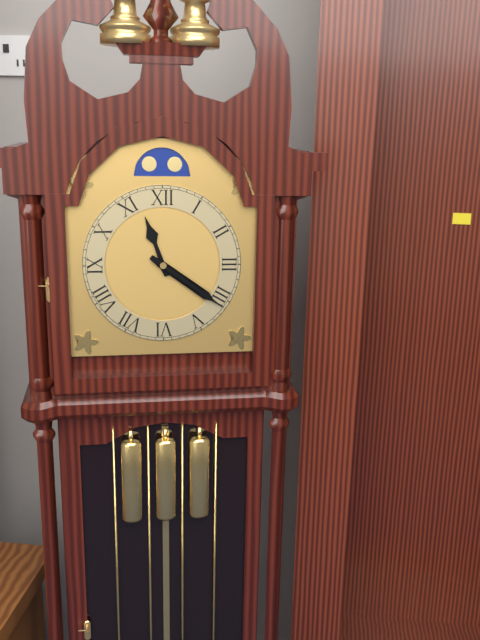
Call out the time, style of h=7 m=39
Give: h=11 m=21
